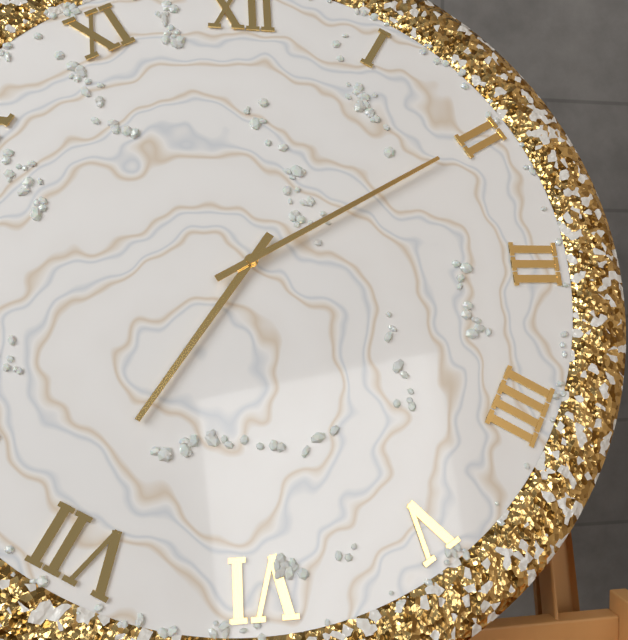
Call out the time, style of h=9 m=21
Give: h=7 m=10
